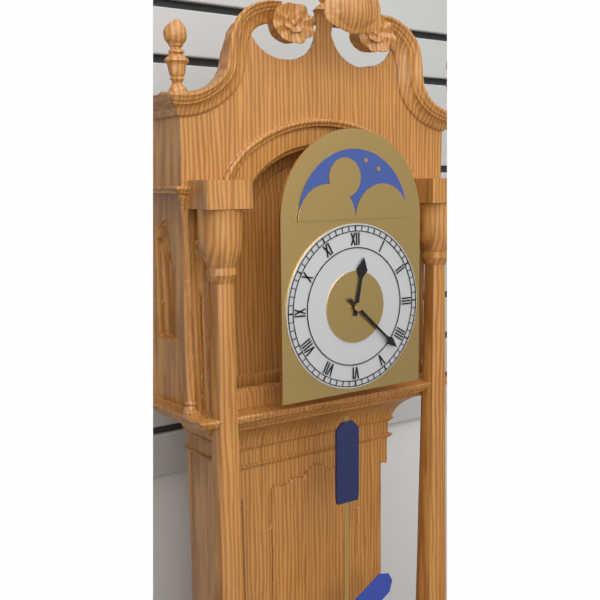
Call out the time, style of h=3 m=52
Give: h=12 m=22
